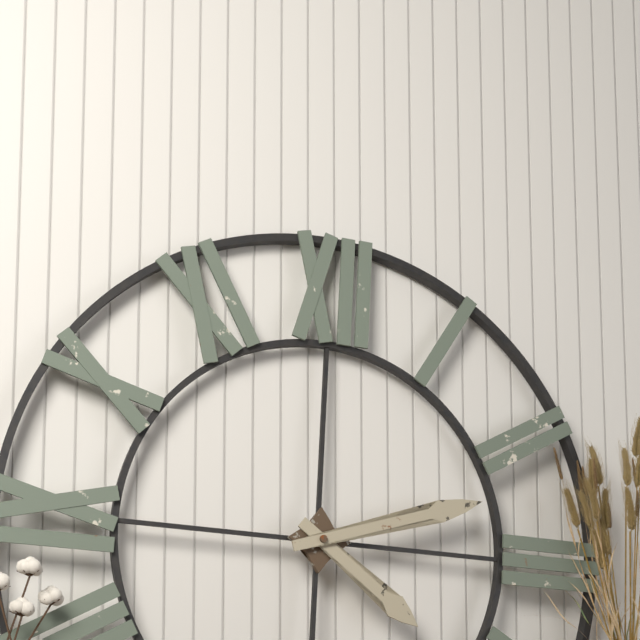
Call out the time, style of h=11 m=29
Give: h=4 m=12
